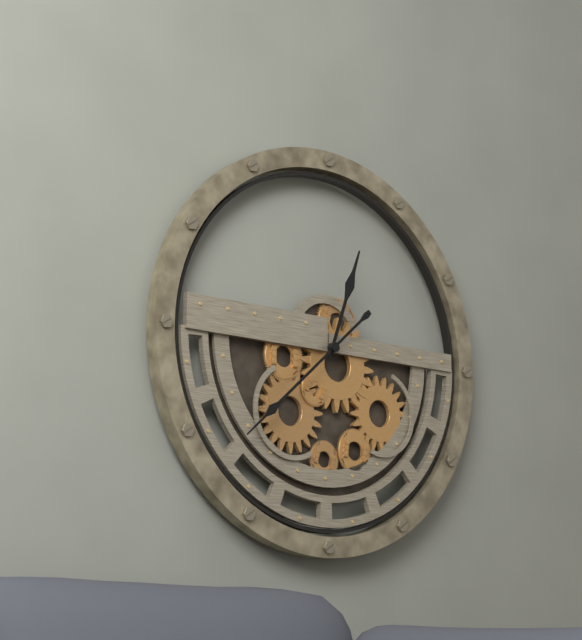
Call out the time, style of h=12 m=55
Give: h=12 m=38
